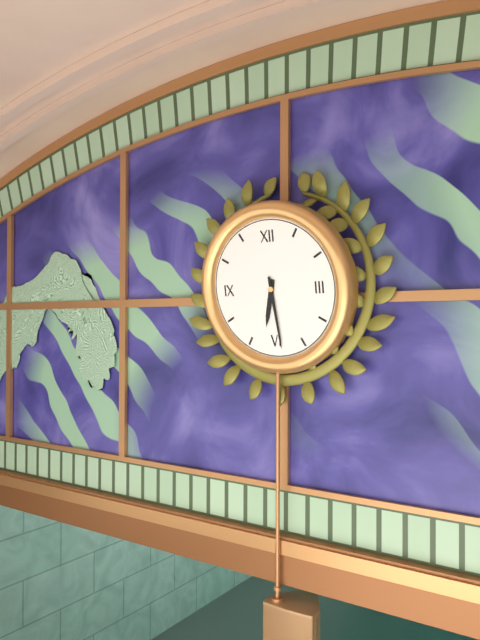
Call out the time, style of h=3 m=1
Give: h=6 m=29
